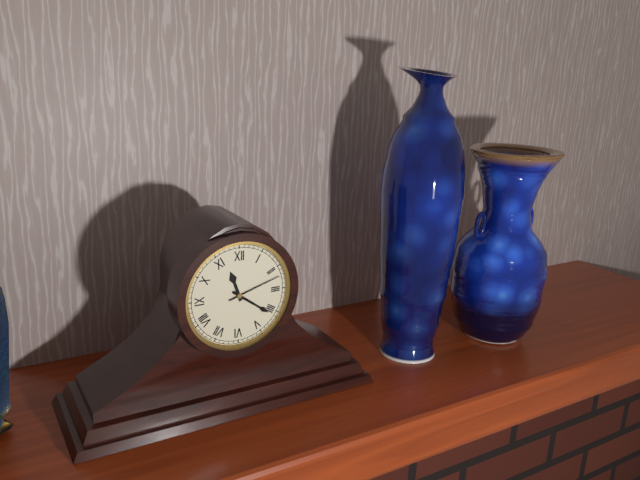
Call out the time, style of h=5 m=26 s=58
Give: h=11 m=21 s=12
